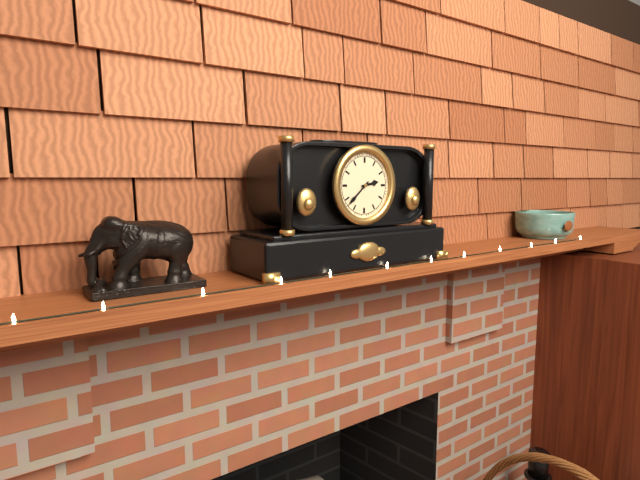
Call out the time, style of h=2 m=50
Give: h=2 m=38
